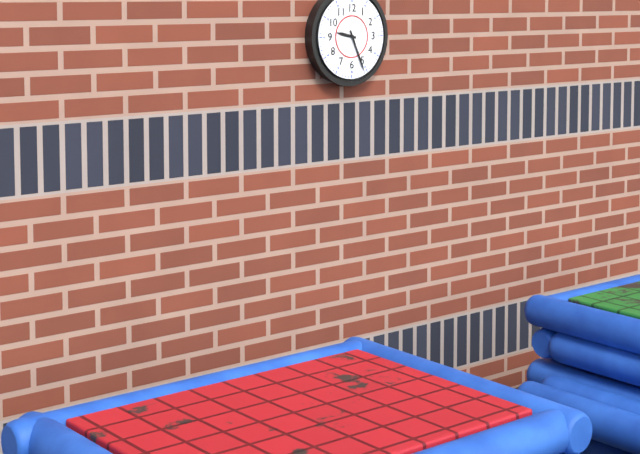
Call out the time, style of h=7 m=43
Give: h=9 m=26
